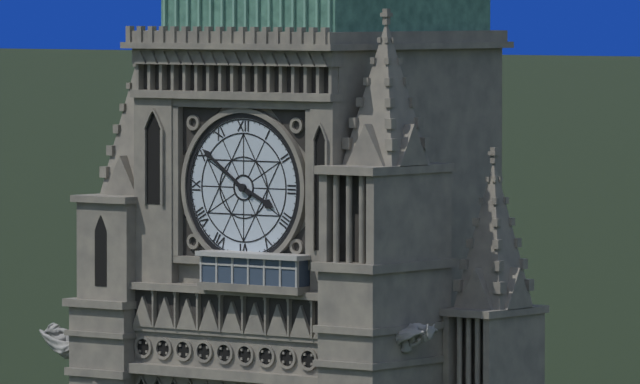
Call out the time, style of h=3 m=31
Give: h=3 m=51
